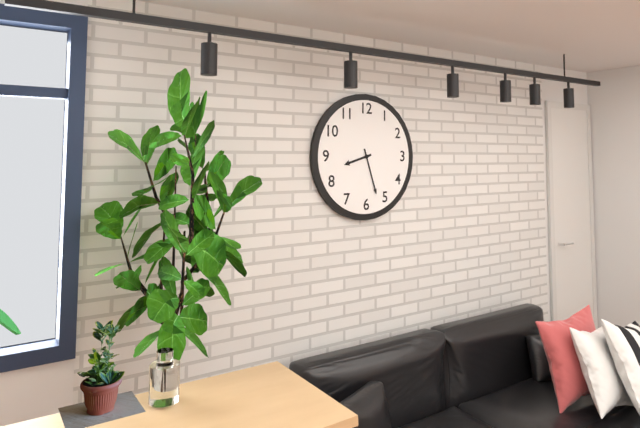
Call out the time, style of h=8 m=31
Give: h=8 m=27
